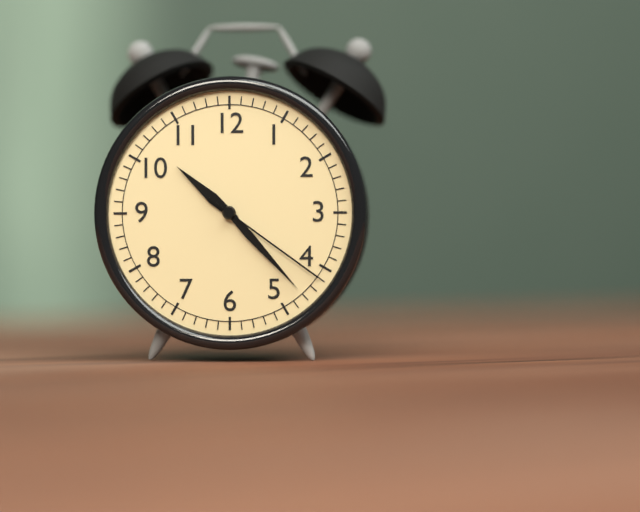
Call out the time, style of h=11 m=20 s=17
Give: h=10 m=23 s=21
